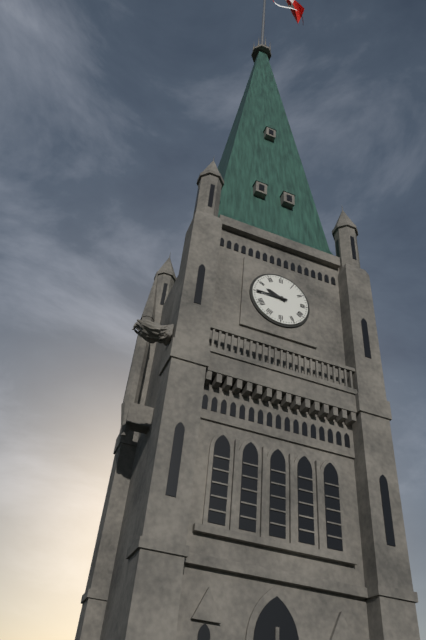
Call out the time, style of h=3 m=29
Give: h=9 m=45
